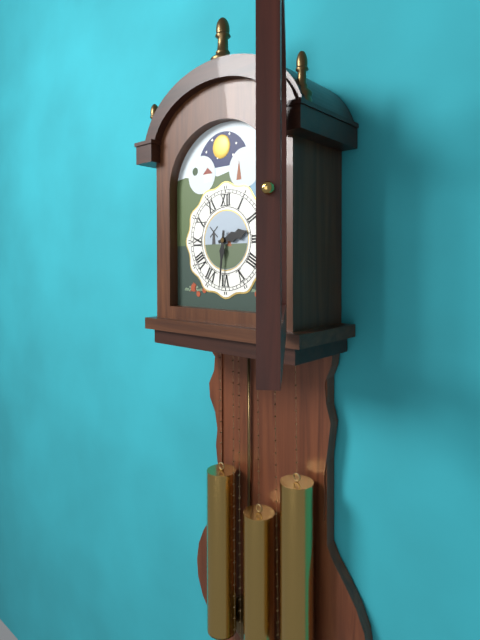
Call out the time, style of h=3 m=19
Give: h=2 m=31
